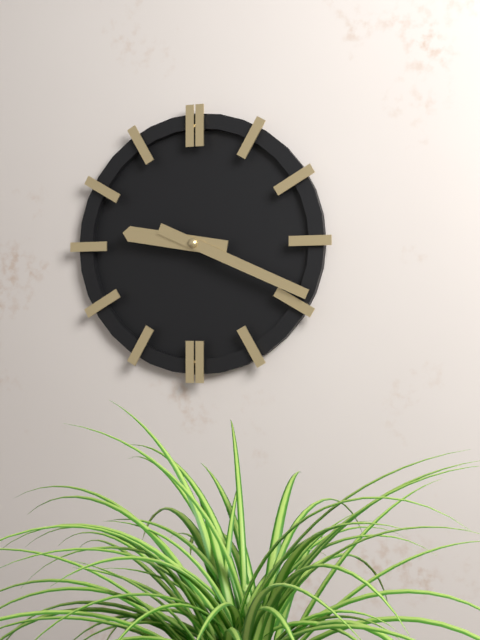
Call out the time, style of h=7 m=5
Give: h=9 m=19
